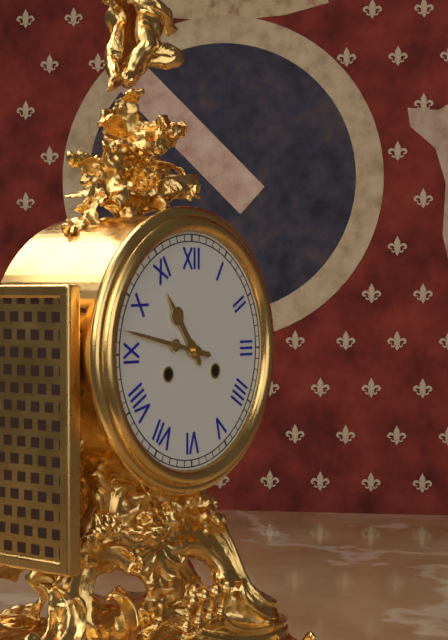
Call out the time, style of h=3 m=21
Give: h=10 m=47
